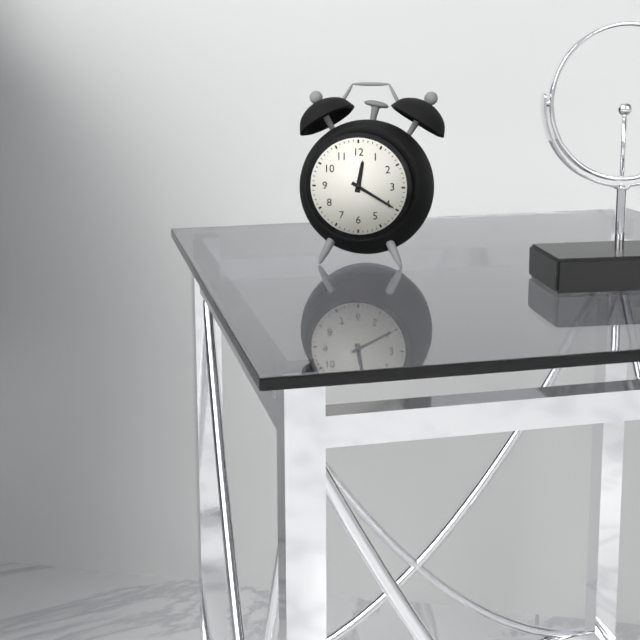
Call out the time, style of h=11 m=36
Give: h=12 m=20
